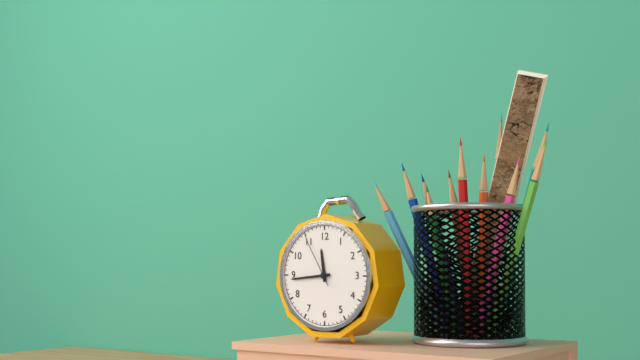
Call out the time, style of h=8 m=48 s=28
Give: h=11 m=44 s=55
